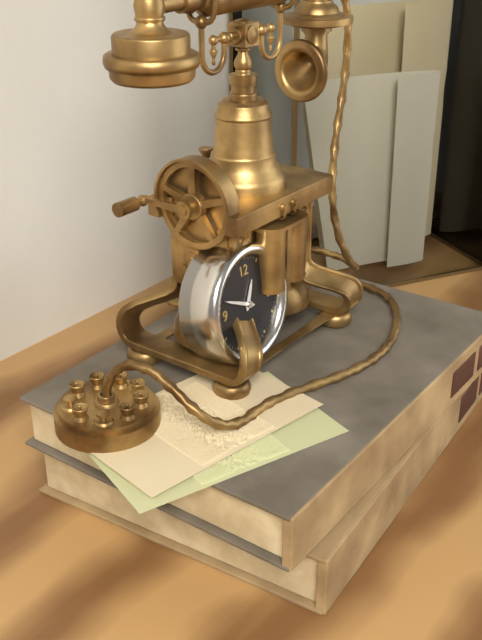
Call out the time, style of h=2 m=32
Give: h=12 m=49
